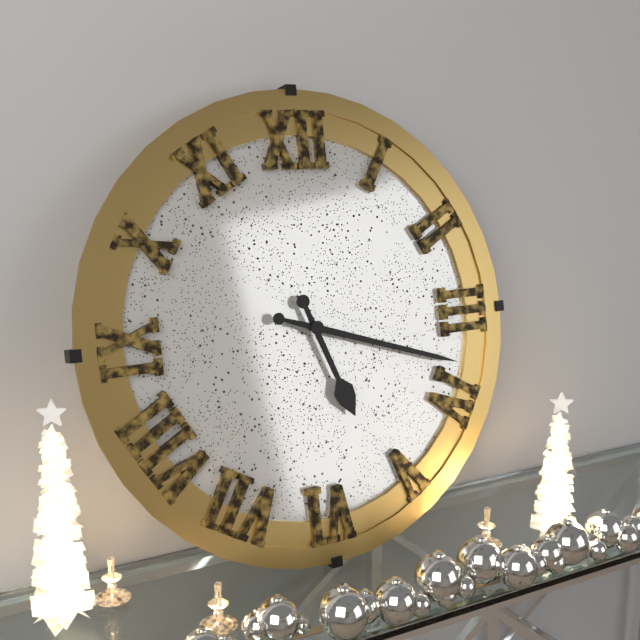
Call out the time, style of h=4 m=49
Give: h=5 m=18
